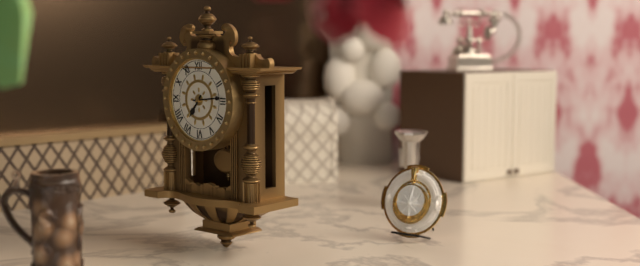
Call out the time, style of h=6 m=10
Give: h=7 m=14
